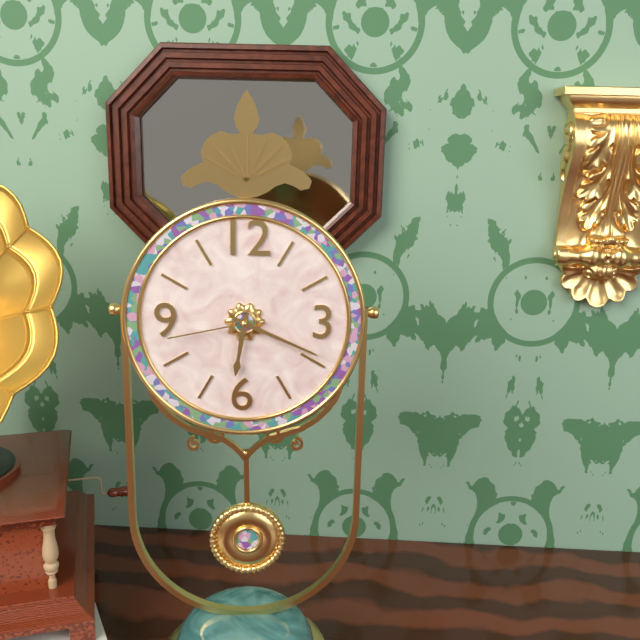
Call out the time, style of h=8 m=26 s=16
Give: h=6 m=19 s=43
